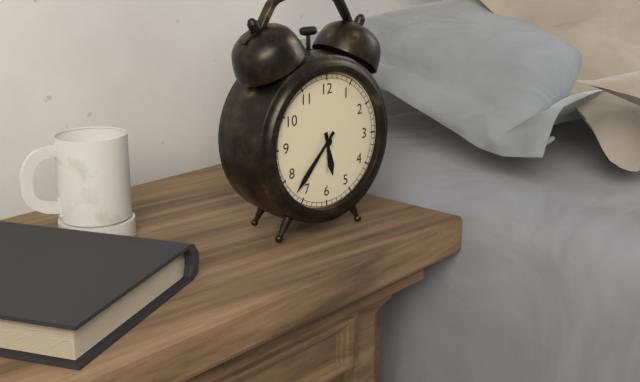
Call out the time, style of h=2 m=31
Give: h=5 m=37
